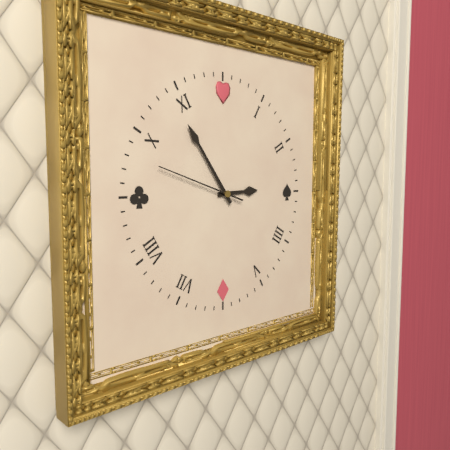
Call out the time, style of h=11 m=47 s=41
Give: h=2 m=54 s=48
